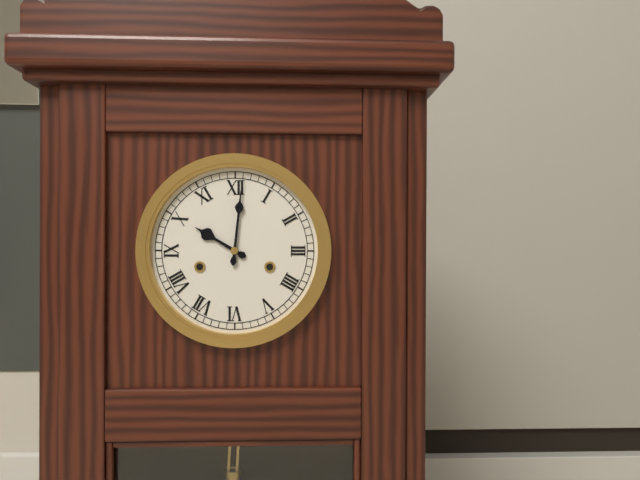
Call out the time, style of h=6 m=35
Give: h=10 m=1
